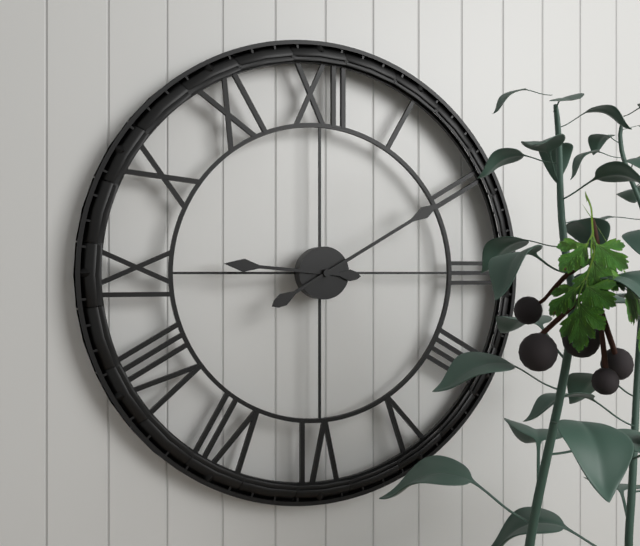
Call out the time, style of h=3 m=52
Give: h=9 m=10
